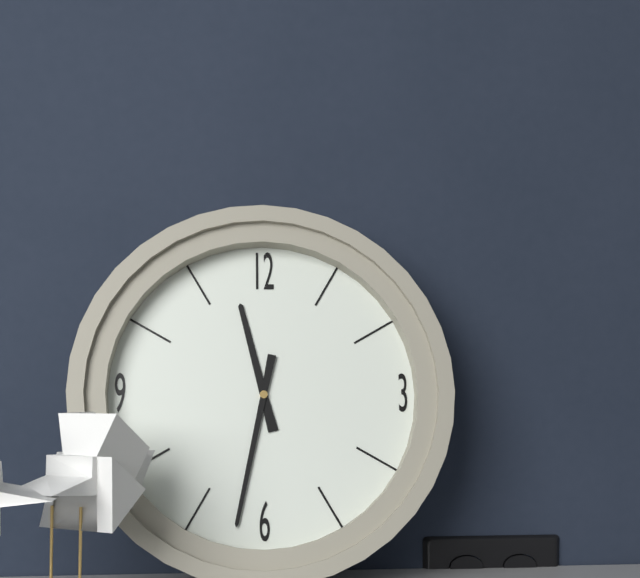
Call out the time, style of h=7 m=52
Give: h=11 m=32
